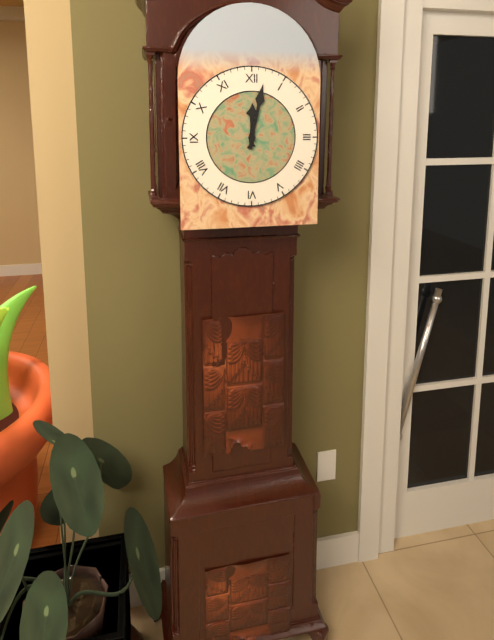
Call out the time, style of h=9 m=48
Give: h=12 m=2
